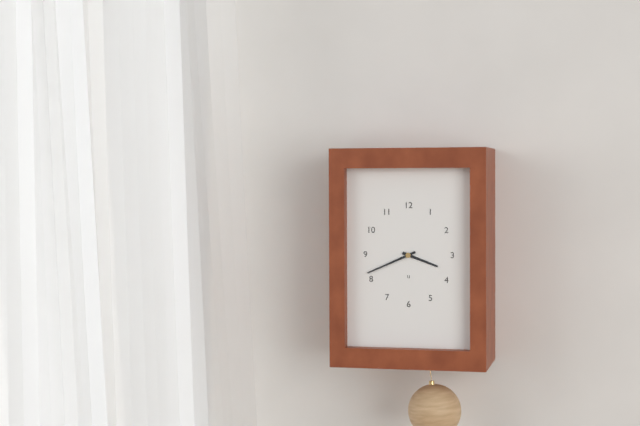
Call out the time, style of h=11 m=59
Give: h=3 m=41
